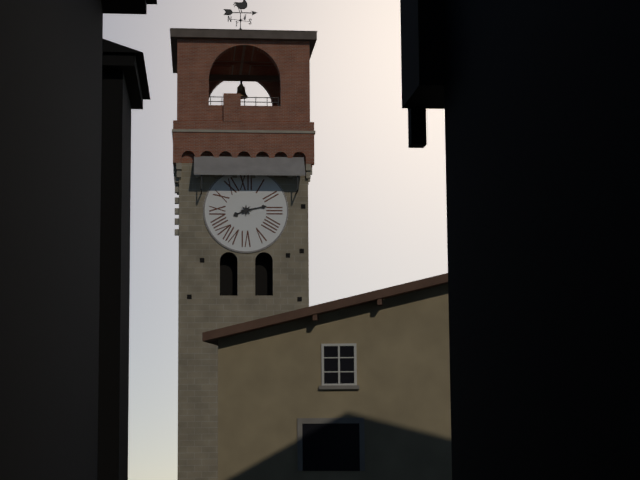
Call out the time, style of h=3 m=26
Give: h=8 m=13
